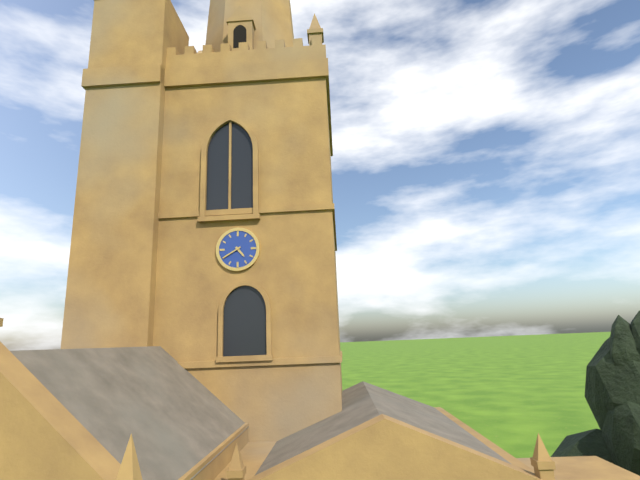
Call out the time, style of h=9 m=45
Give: h=4 m=40
